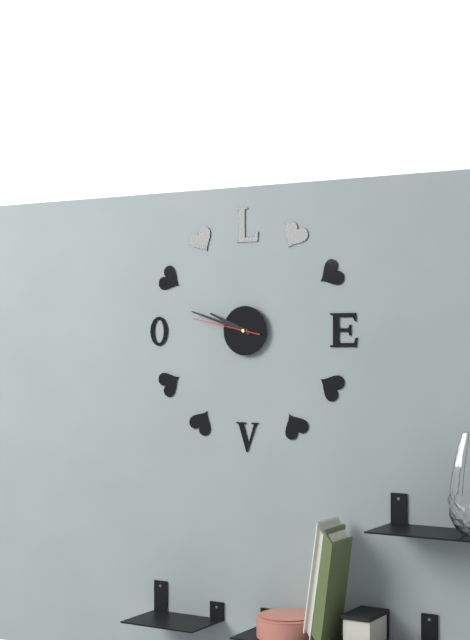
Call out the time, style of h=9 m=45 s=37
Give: h=9 m=48 s=47
